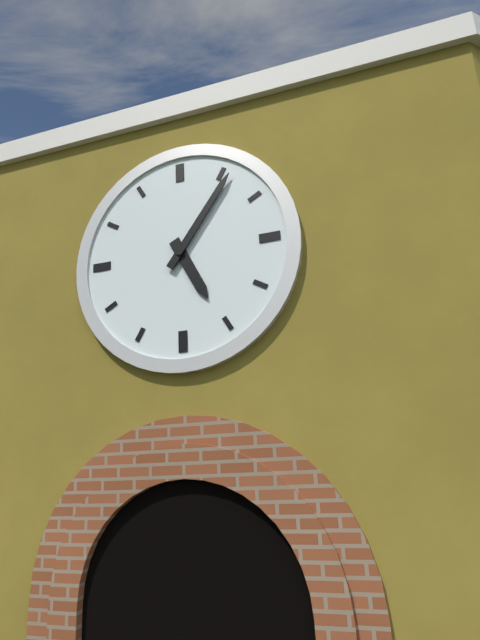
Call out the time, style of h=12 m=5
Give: h=5 m=6
